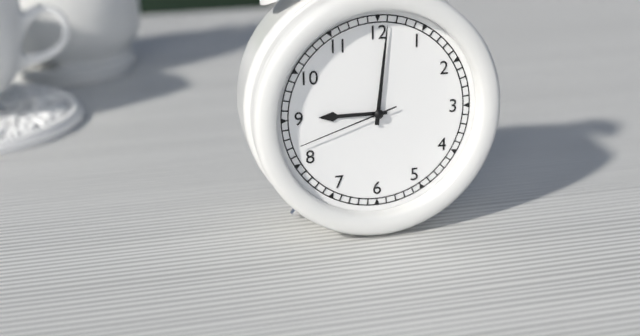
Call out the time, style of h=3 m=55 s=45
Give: h=9 m=1 s=42
